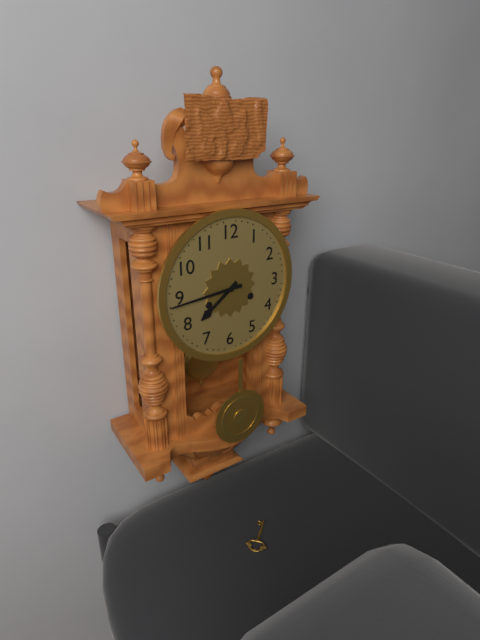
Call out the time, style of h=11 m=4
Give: h=7 m=44
